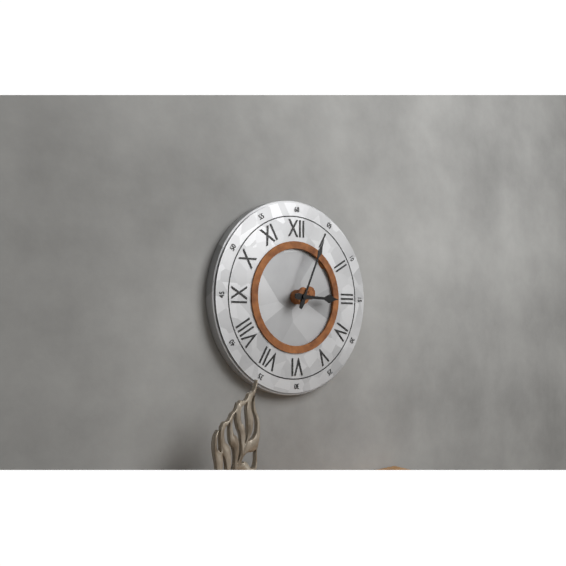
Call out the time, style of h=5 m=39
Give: h=3 m=4
